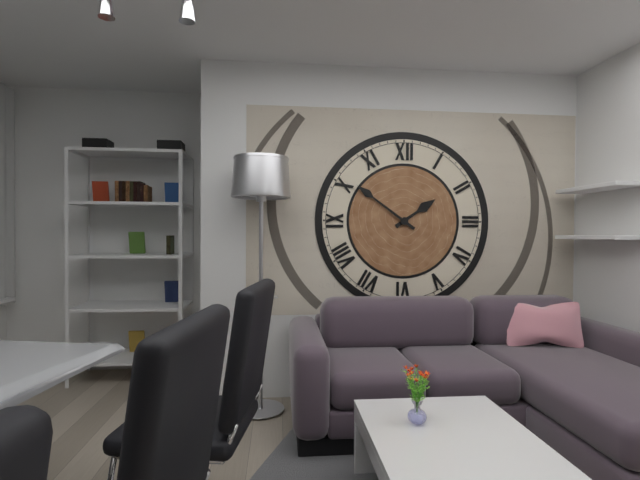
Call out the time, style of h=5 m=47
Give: h=1 m=51
